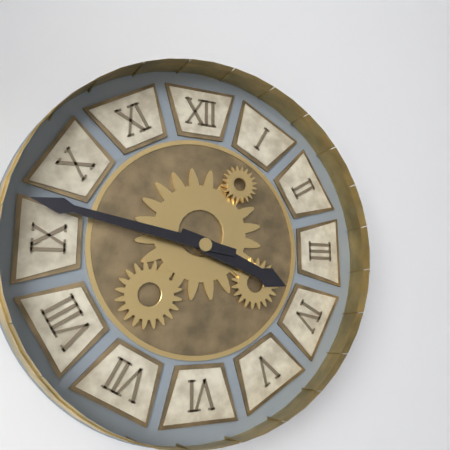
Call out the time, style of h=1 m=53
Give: h=3 m=47
